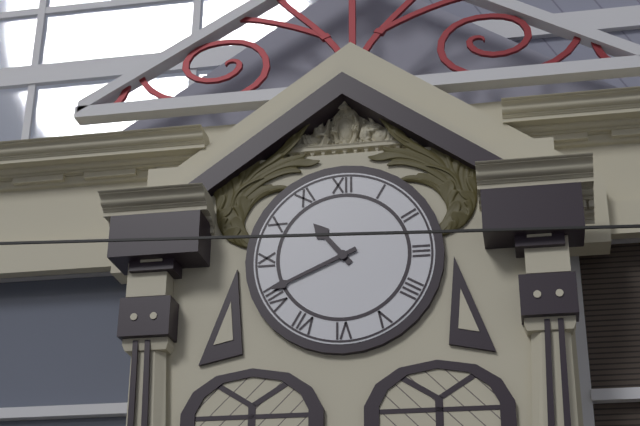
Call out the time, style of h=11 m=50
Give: h=10 m=41
